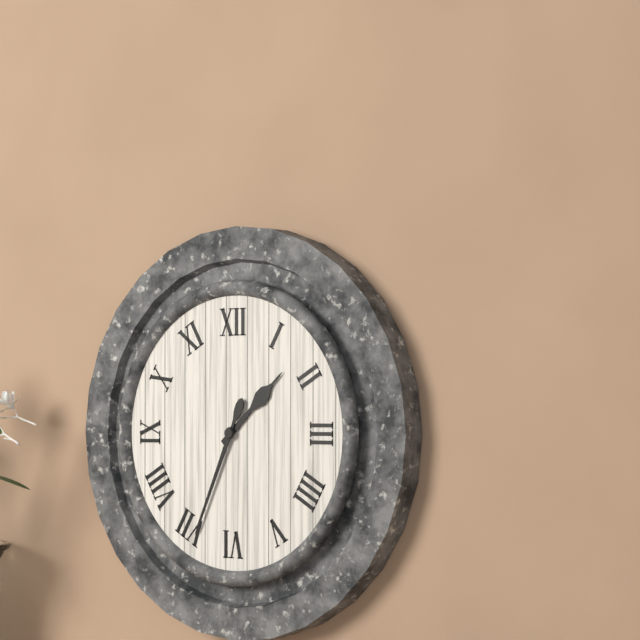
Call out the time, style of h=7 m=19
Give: h=1 m=34
